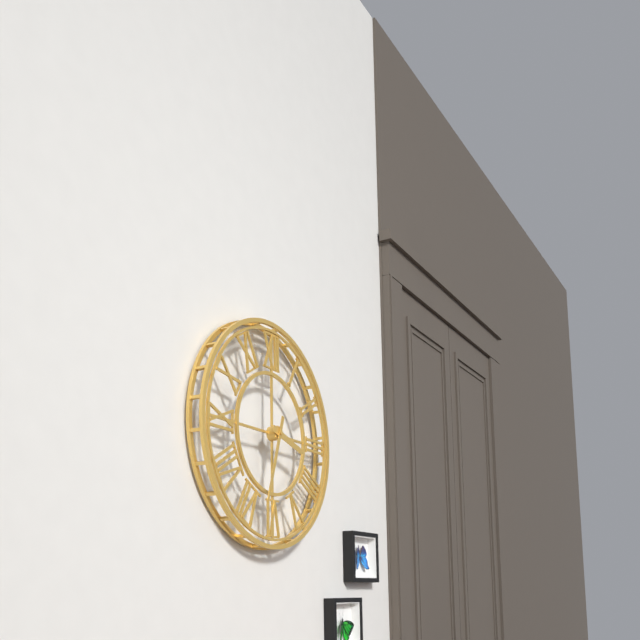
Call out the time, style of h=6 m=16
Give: h=3 m=33
